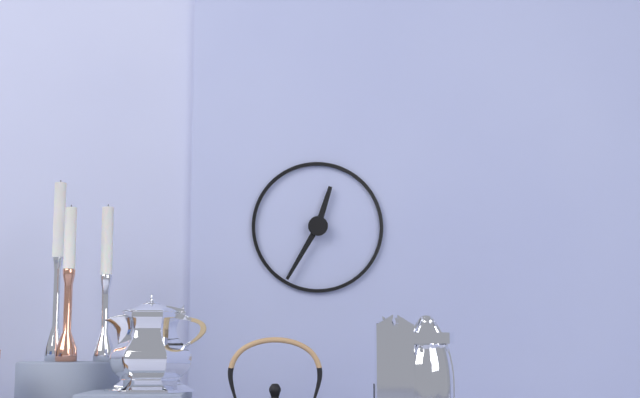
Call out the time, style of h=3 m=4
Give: h=12 m=35
